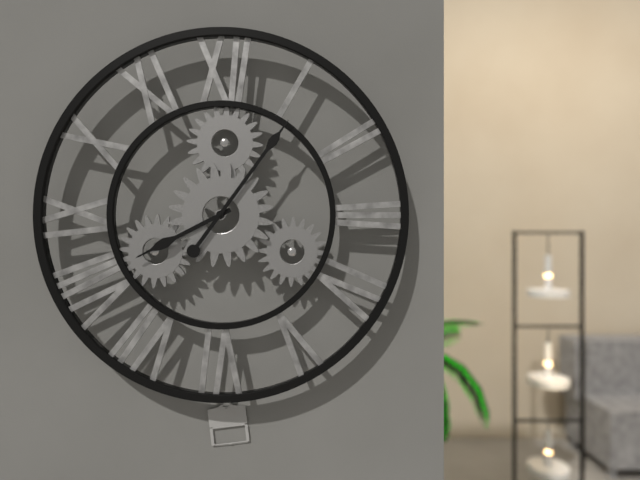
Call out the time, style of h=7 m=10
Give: h=8 m=6
